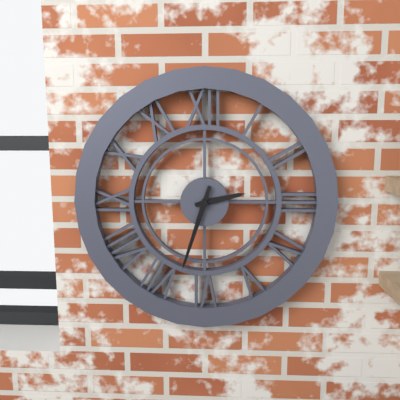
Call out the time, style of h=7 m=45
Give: h=2 m=33
